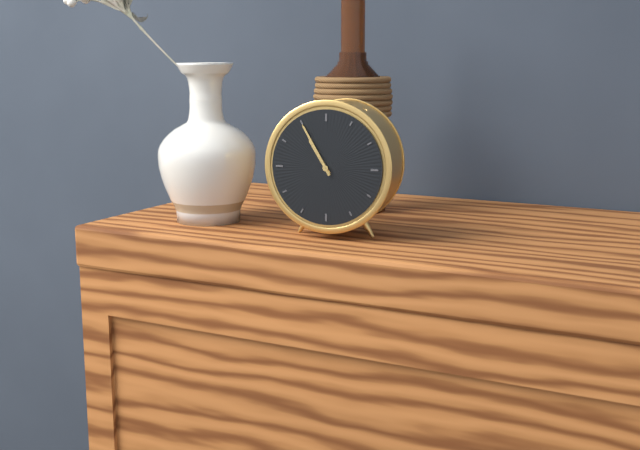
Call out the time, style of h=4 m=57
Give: h=10 m=55
